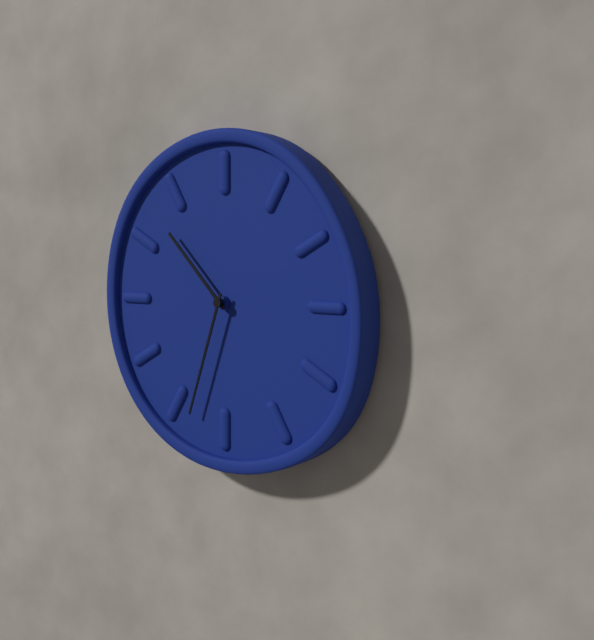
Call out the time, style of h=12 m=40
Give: h=10 m=33
